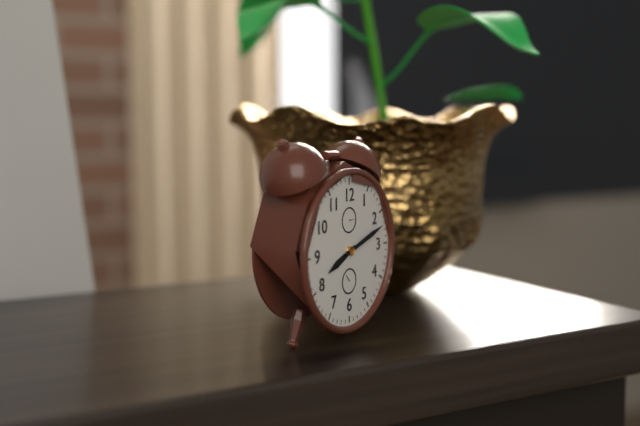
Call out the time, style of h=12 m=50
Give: h=8 m=12
